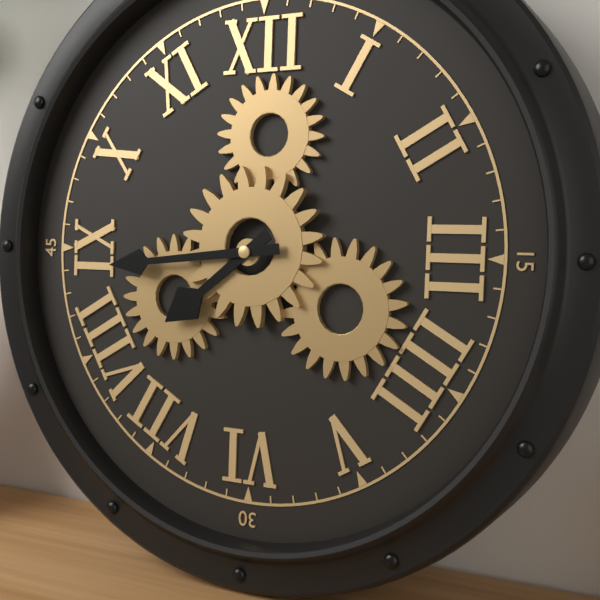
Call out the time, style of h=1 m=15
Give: h=7 m=44
